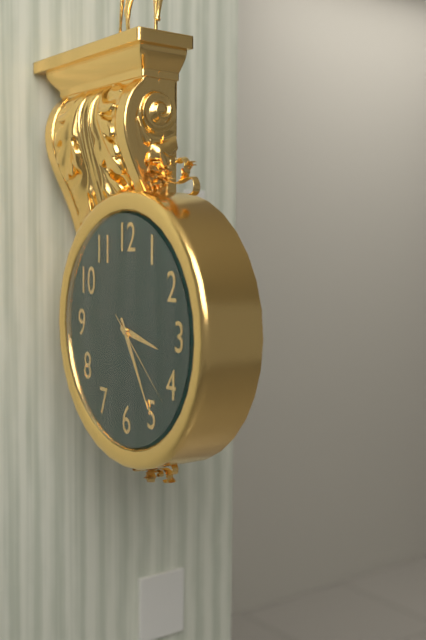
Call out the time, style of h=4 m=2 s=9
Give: h=3 m=25 s=22
